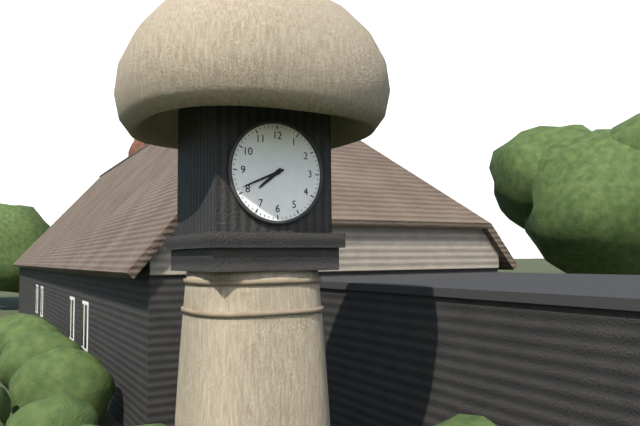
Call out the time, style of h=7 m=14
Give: h=7 m=41
